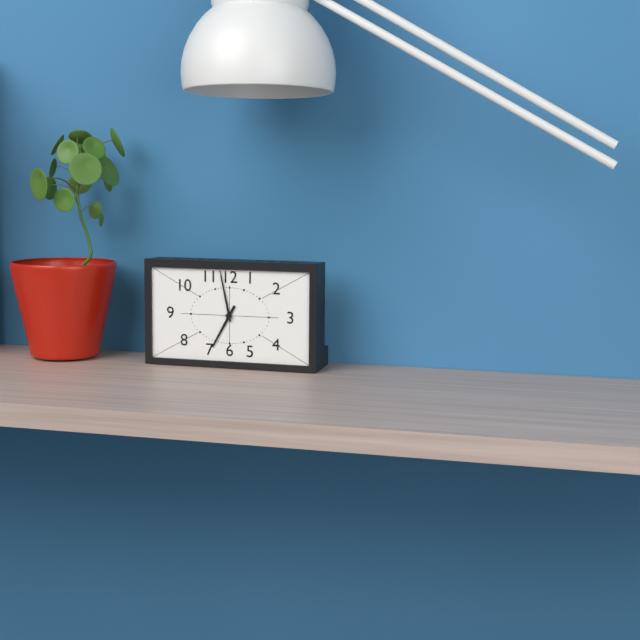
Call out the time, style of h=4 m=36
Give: h=6 m=58
